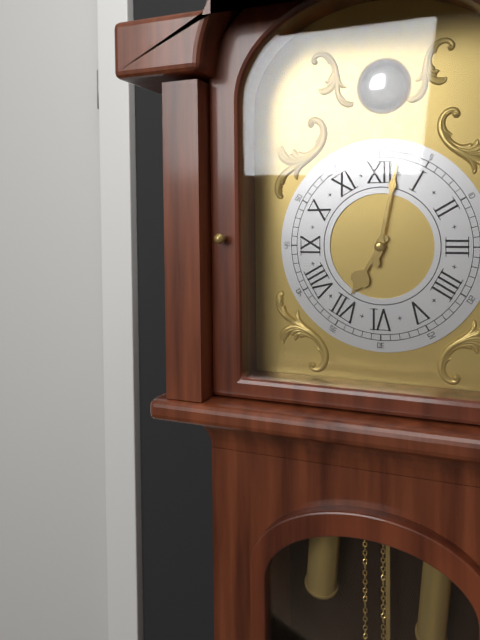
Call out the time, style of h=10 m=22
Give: h=7 m=2
